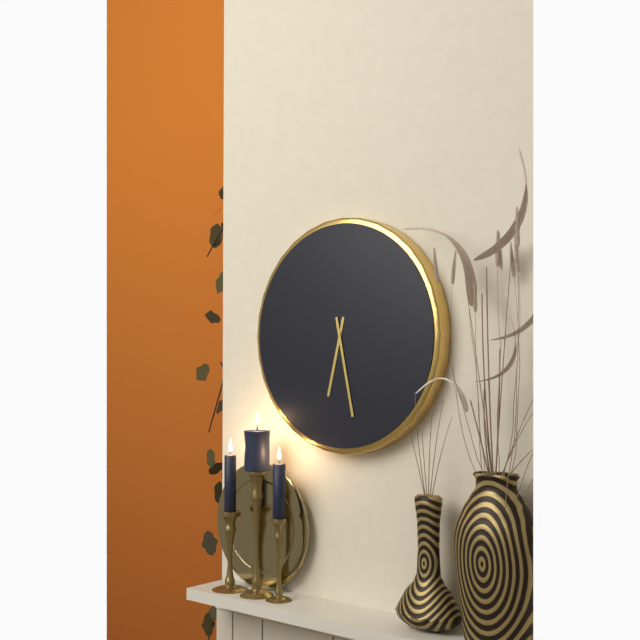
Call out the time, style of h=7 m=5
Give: h=6 m=28
